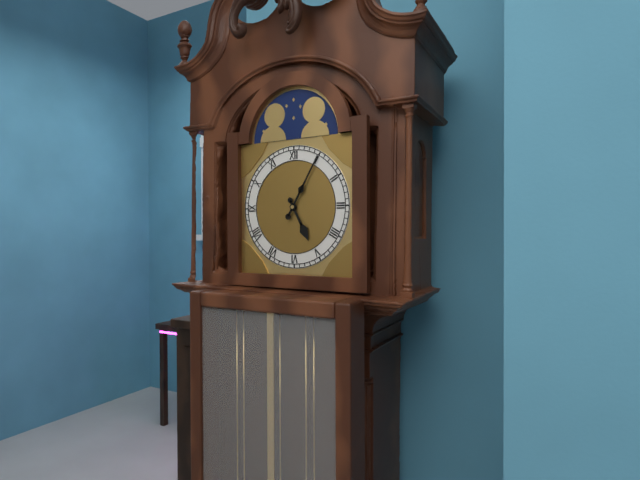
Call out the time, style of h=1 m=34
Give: h=5 m=5
